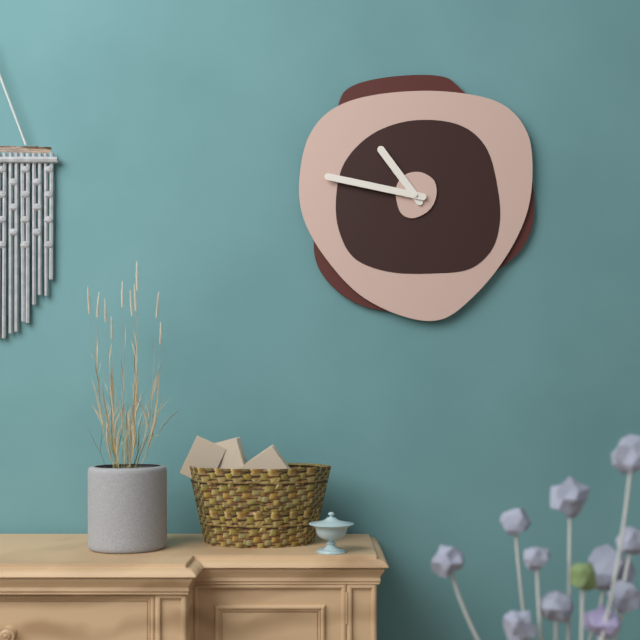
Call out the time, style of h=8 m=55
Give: h=10 m=47
